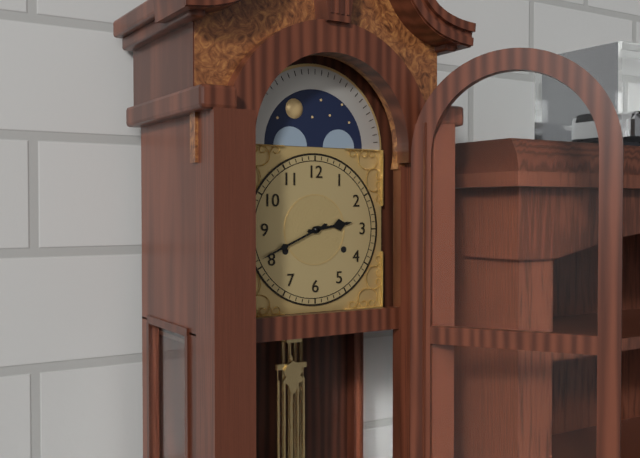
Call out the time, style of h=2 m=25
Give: h=2 m=41
